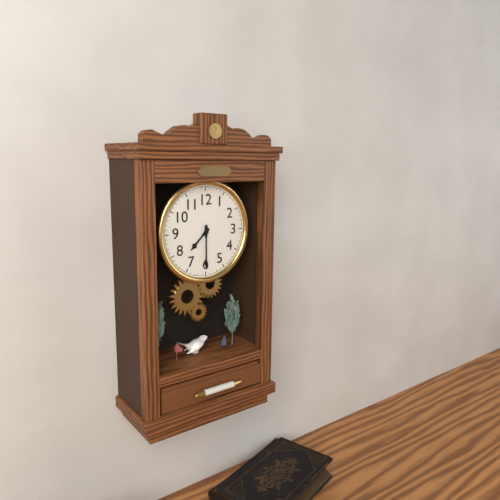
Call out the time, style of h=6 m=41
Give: h=7 m=30
